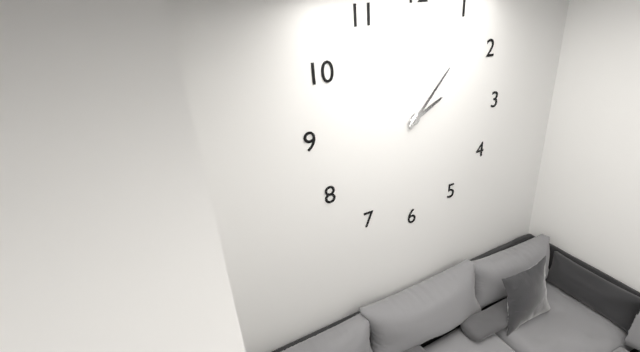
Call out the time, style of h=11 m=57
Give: h=2 m=7
